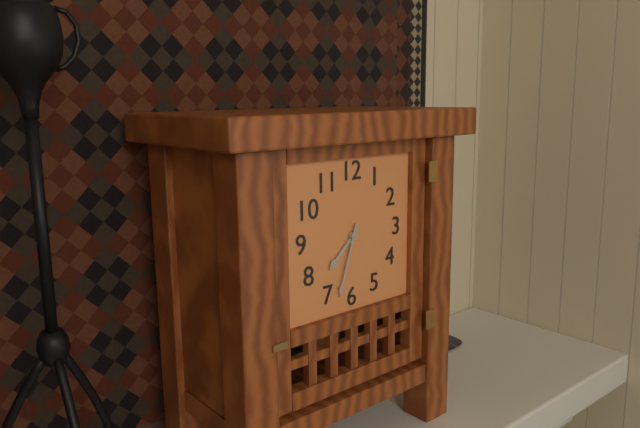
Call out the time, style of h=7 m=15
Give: h=7 m=33
